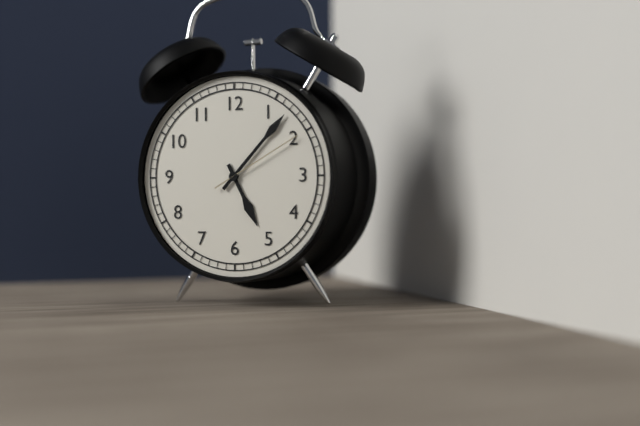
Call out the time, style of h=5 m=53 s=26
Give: h=5 m=7 s=10
